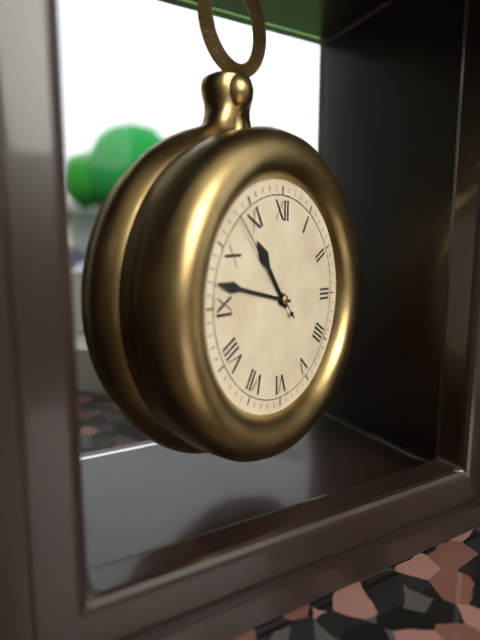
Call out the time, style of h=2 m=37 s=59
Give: h=10 m=47 s=53
